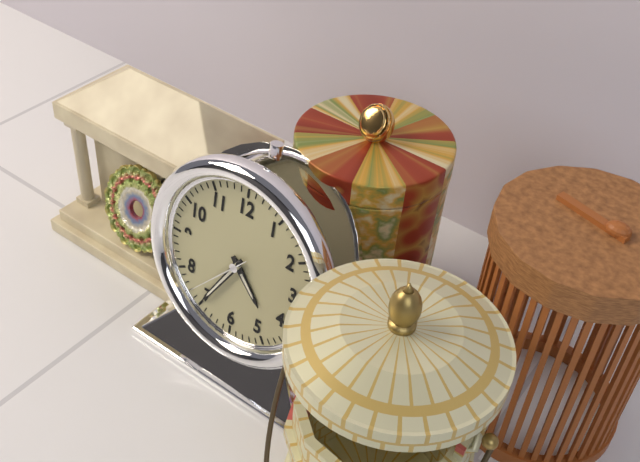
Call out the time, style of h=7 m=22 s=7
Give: h=4 m=35 s=37
